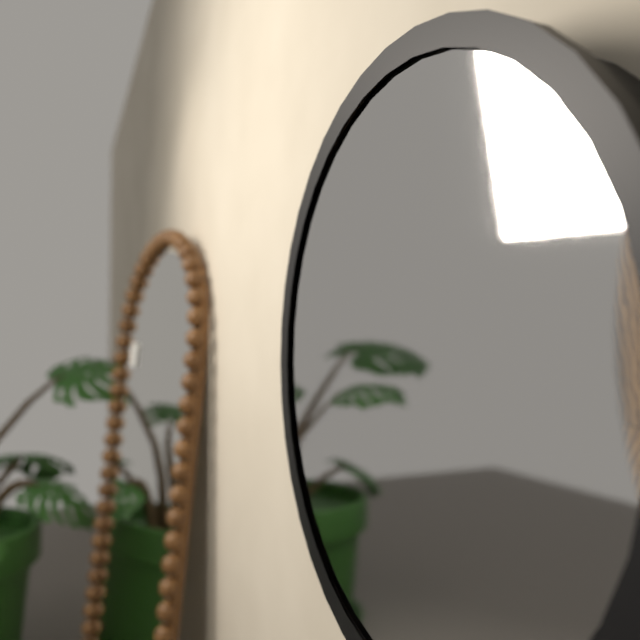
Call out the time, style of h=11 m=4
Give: h=10 m=44
